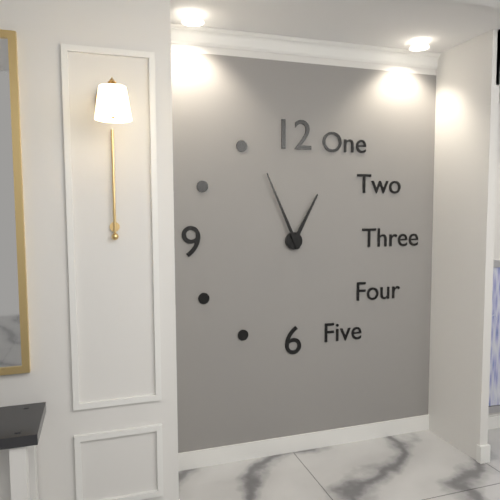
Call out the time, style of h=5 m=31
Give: h=12 m=56
